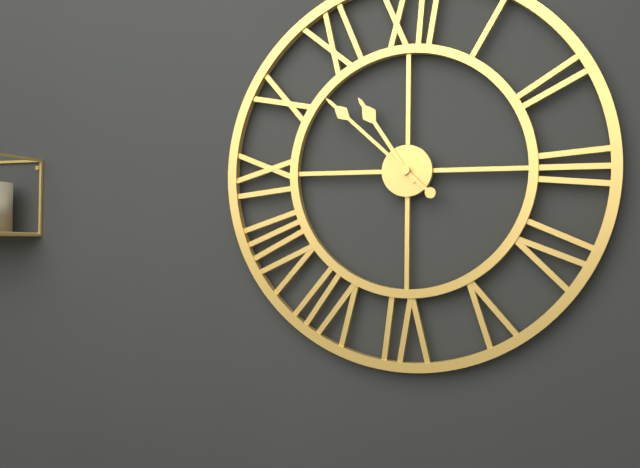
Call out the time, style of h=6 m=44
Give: h=10 m=52
